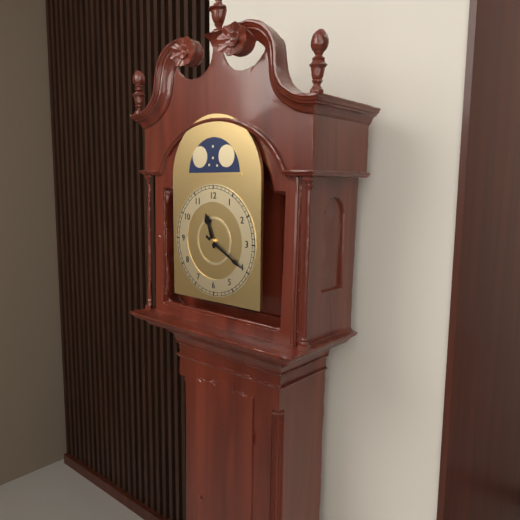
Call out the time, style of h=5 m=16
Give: h=11 m=20
